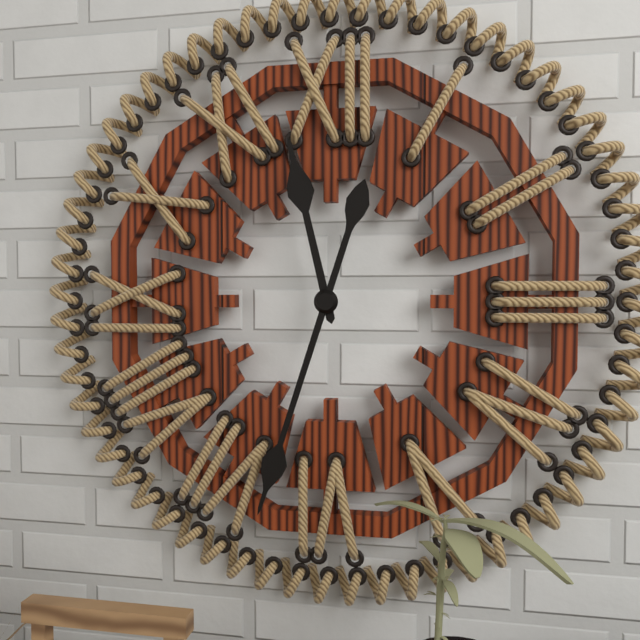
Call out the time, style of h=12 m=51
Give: h=11 m=33
